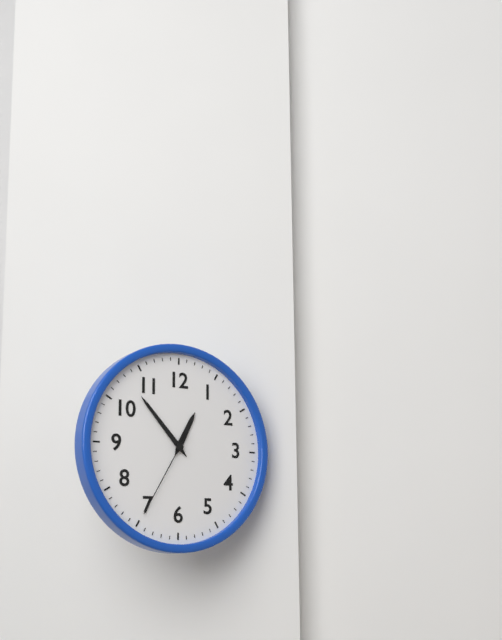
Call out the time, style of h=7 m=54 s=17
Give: h=12 m=53 s=35
